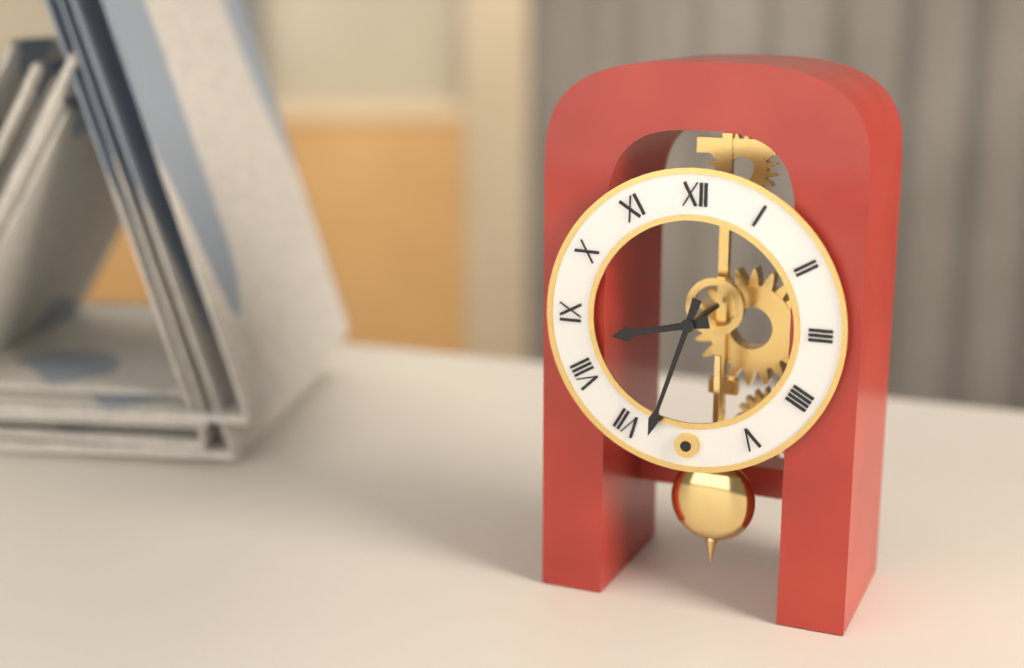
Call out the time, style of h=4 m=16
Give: h=8 m=33
